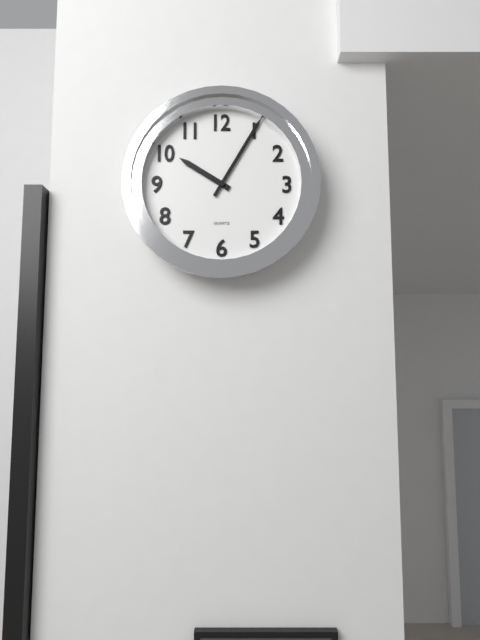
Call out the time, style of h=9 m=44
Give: h=10 m=5
